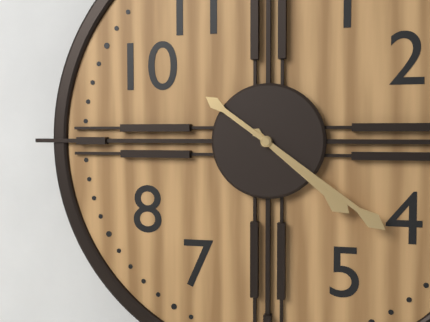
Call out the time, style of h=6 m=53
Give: h=4 m=21
